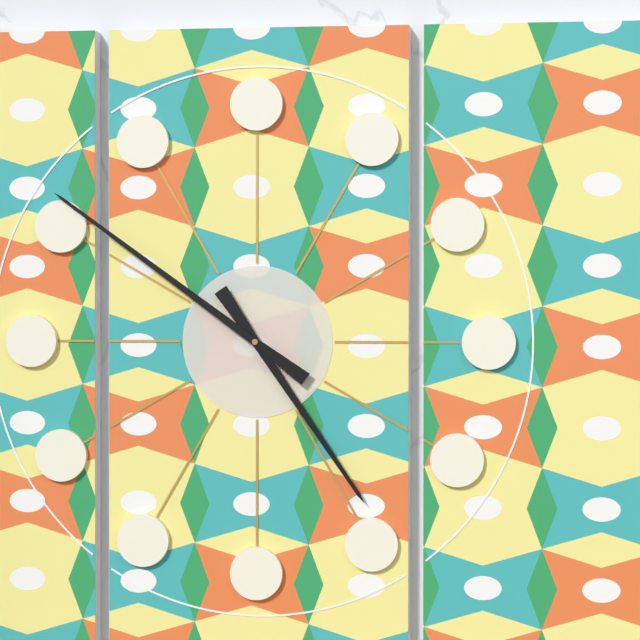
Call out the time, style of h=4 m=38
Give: h=4 m=51
